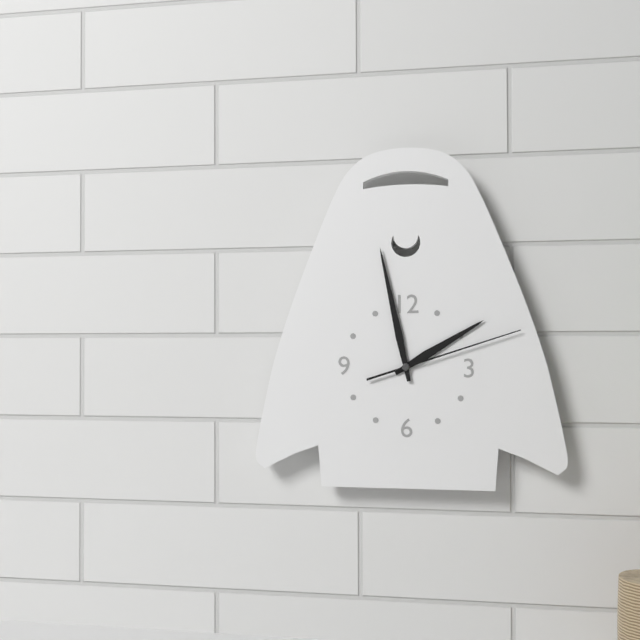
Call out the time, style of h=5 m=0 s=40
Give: h=1 m=58 s=12
